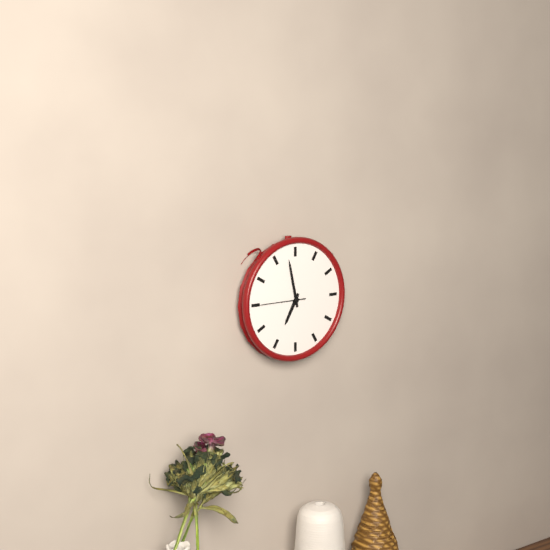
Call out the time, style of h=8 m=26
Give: h=6 m=58
